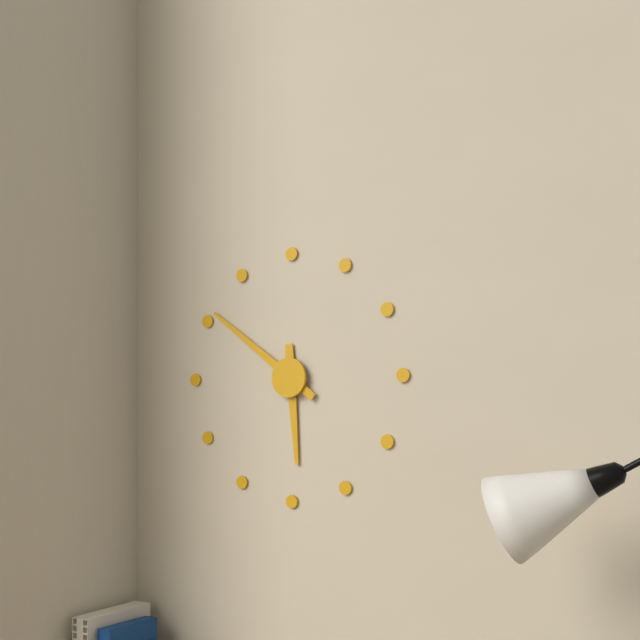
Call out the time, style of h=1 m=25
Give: h=5 m=51
